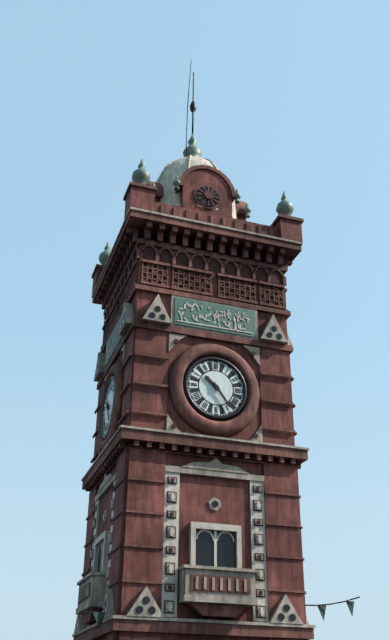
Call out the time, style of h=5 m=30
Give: h=10 m=24
